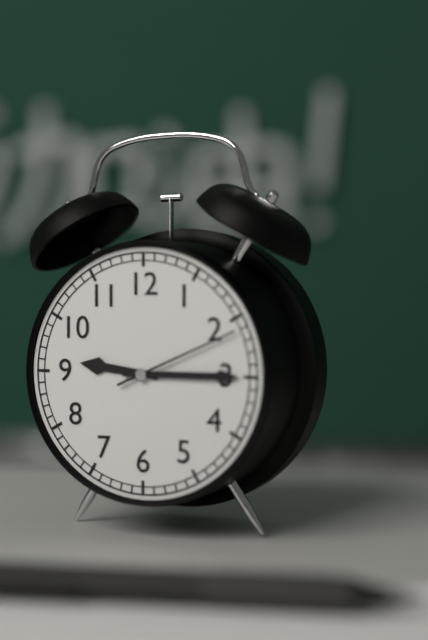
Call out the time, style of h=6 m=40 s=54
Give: h=9 m=15 s=11
